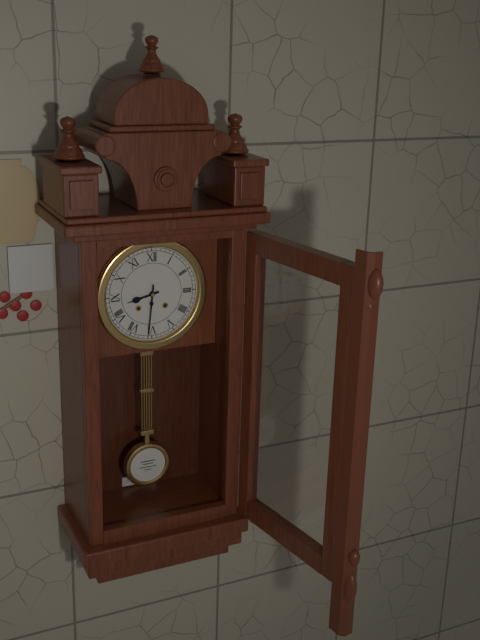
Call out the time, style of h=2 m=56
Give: h=8 m=31
